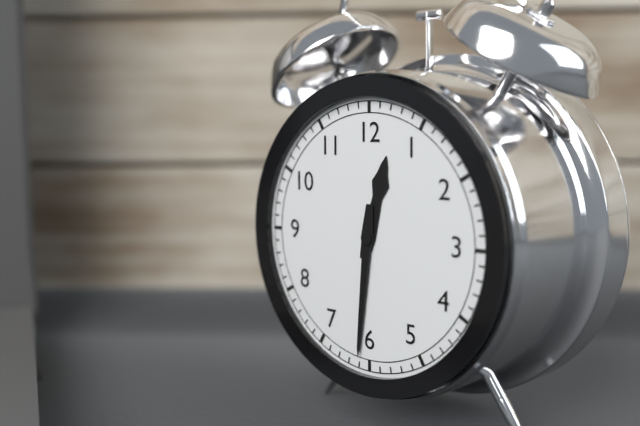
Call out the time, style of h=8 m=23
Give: h=12 m=31
